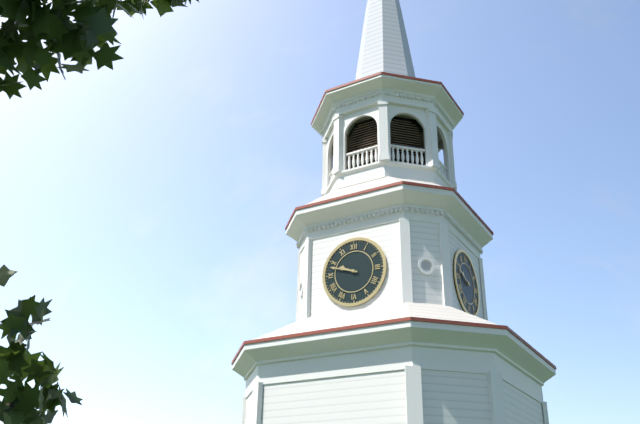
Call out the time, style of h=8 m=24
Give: h=9 m=48
